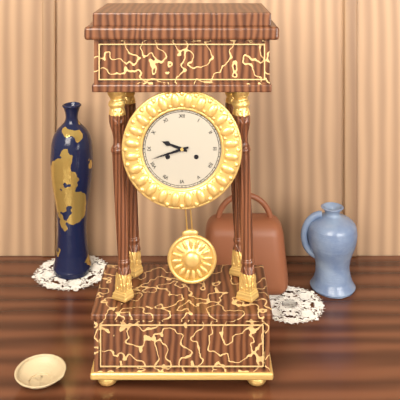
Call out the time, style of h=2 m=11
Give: h=9 m=42
